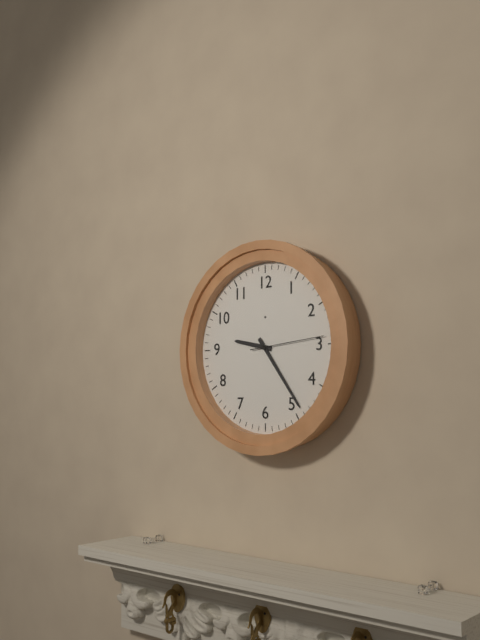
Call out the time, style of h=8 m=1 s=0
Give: h=9 m=24 s=14
